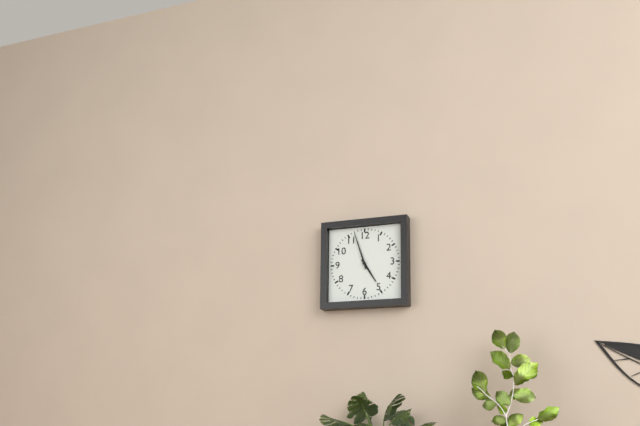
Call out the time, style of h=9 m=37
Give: h=4 m=57
